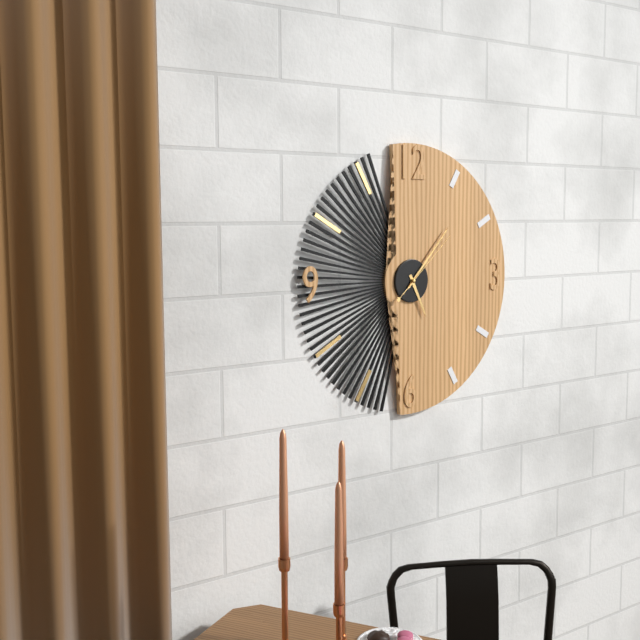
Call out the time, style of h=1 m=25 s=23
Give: h=5 m=7 s=8
